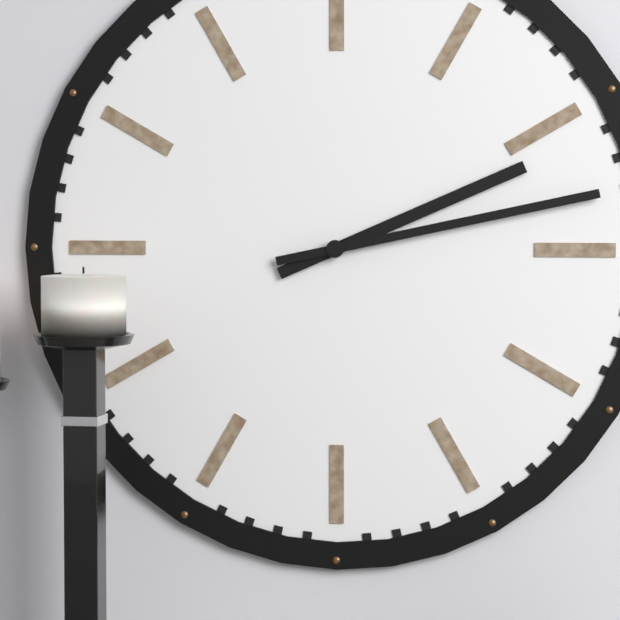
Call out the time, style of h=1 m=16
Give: h=2 m=13
